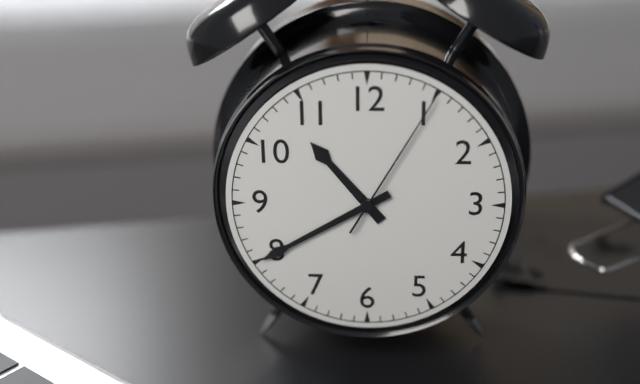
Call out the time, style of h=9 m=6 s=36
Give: h=10 m=40 s=5
